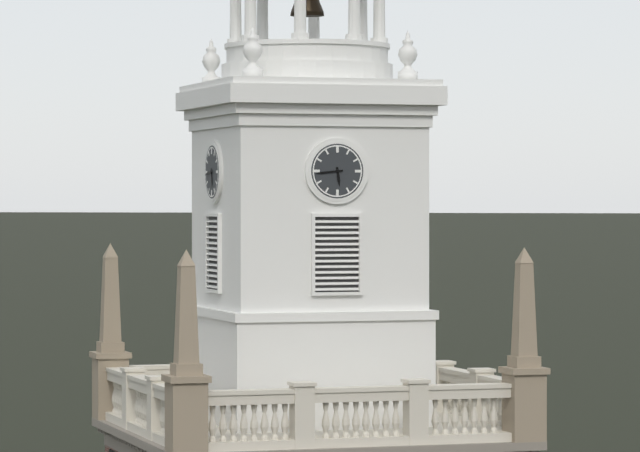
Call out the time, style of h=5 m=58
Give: h=5 m=44
